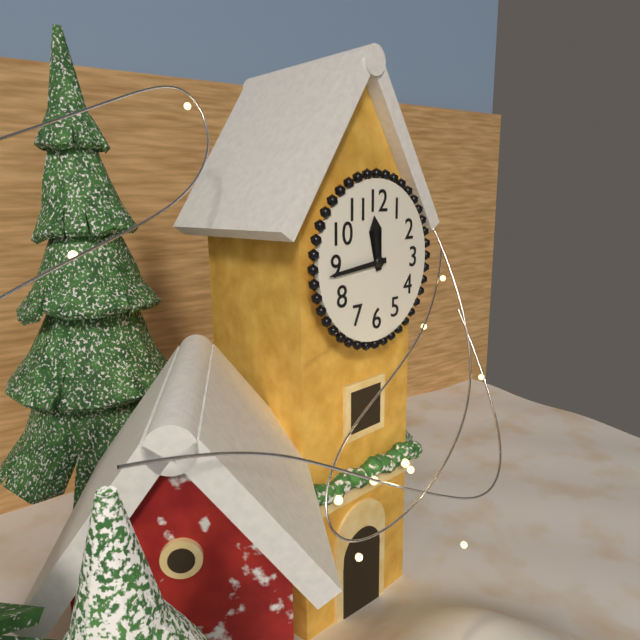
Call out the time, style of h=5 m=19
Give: h=11 m=44
